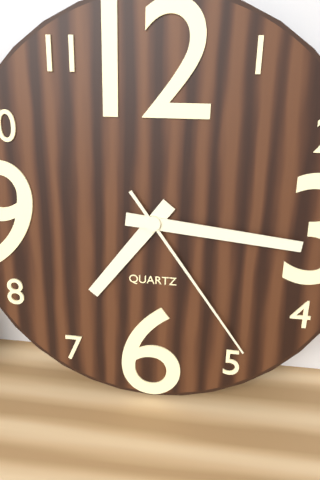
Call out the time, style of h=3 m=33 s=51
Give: h=7 m=16 s=24
